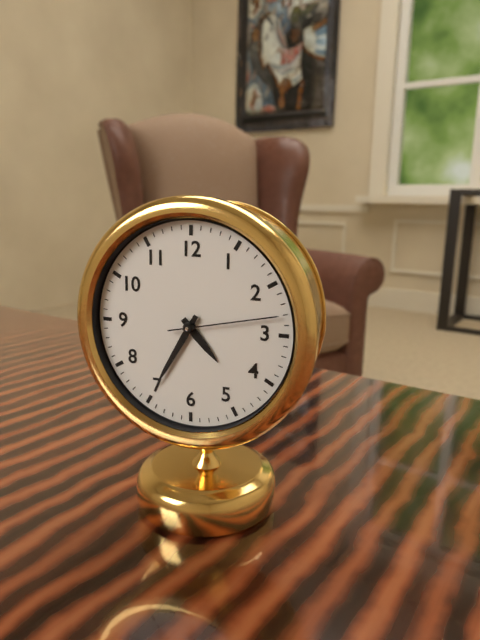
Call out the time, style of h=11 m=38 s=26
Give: h=4 m=35 s=13
